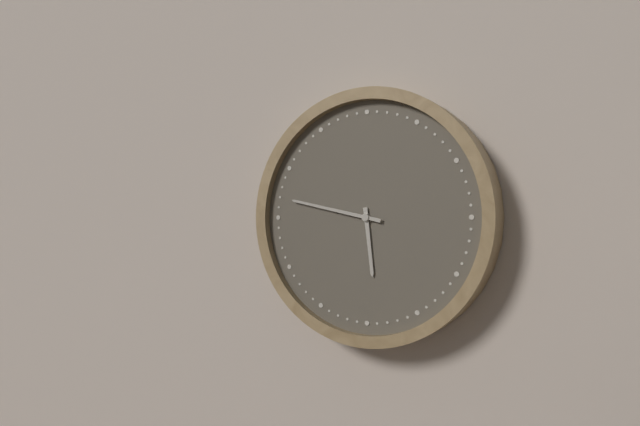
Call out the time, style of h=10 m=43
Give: h=5 m=47
